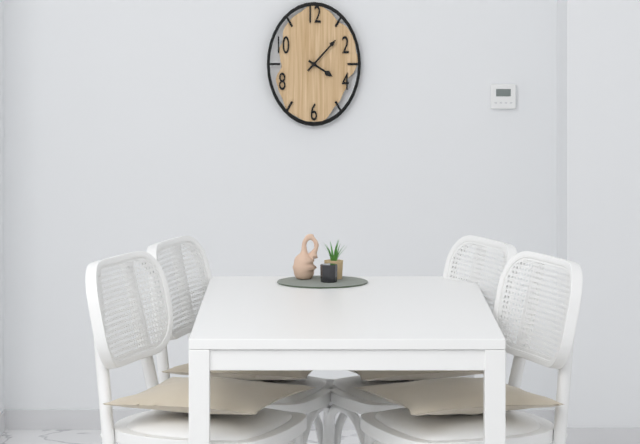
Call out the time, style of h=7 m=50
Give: h=4 m=7
